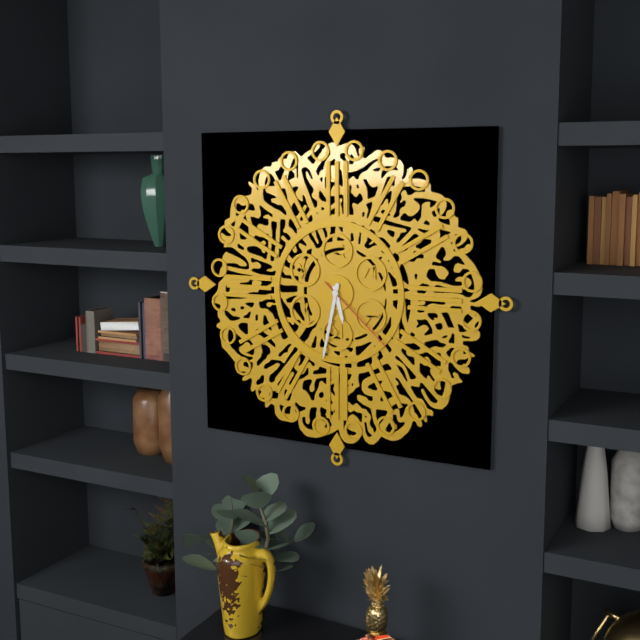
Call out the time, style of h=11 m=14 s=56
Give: h=5 m=32 s=22
